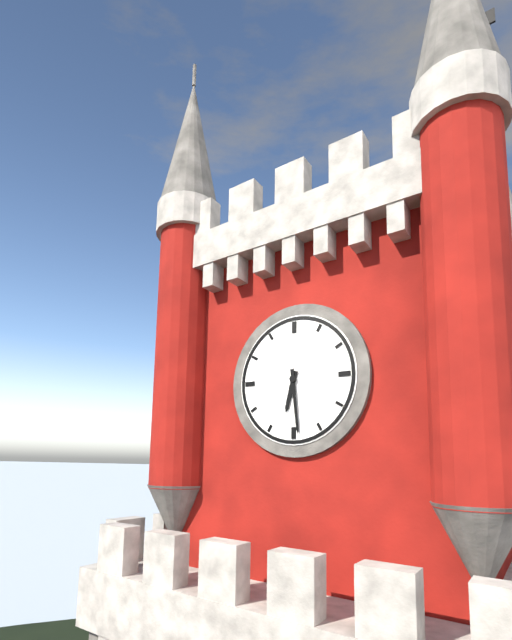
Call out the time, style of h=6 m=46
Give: h=6 m=29
